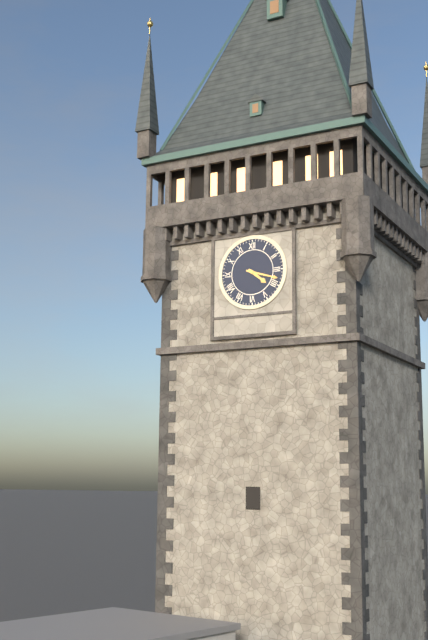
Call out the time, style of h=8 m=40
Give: h=4 m=18
